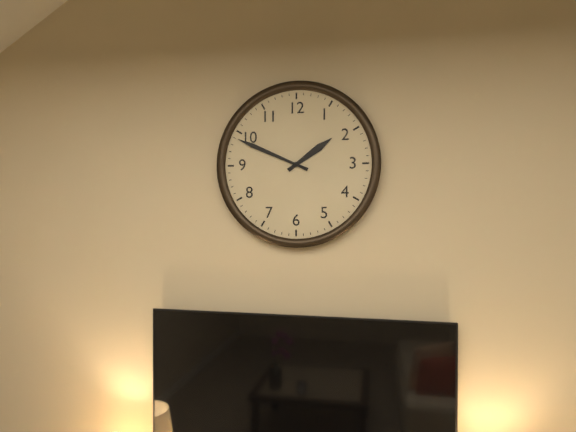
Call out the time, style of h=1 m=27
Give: h=1 m=49
